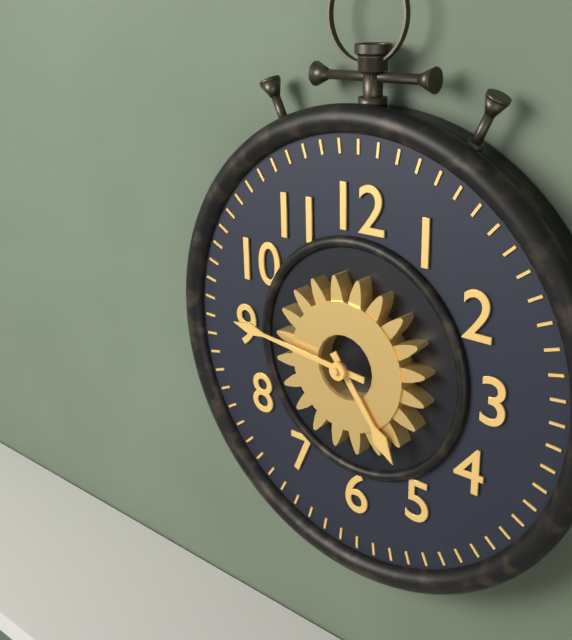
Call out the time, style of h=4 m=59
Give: h=4 m=46
